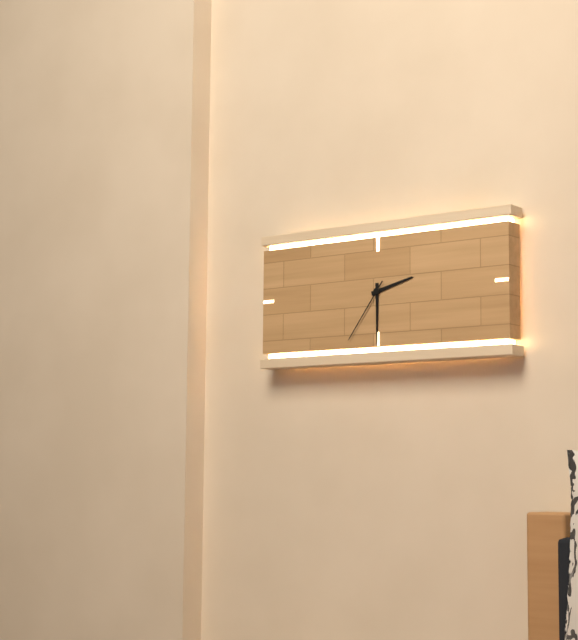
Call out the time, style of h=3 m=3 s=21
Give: h=2 m=30 s=36
